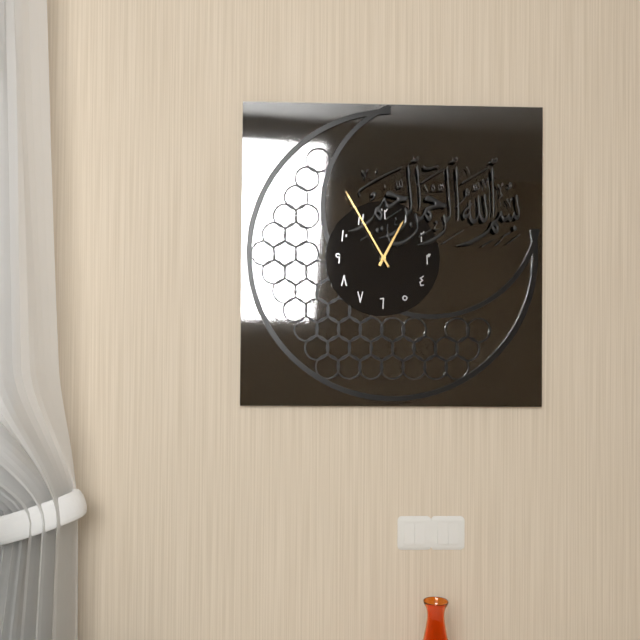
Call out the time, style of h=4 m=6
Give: h=12 m=55
